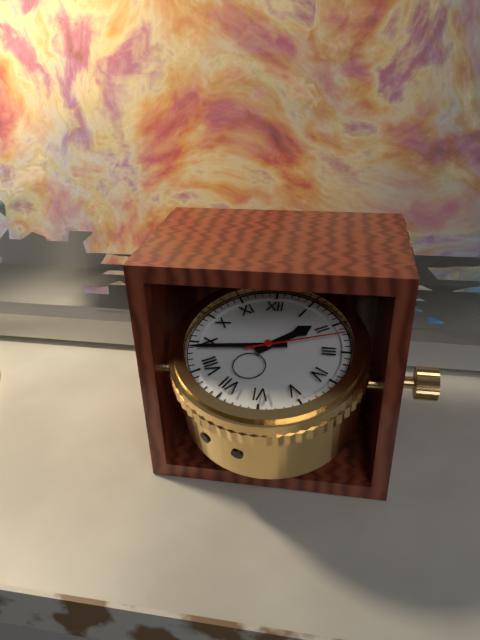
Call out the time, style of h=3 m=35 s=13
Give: h=1 m=44 s=12
